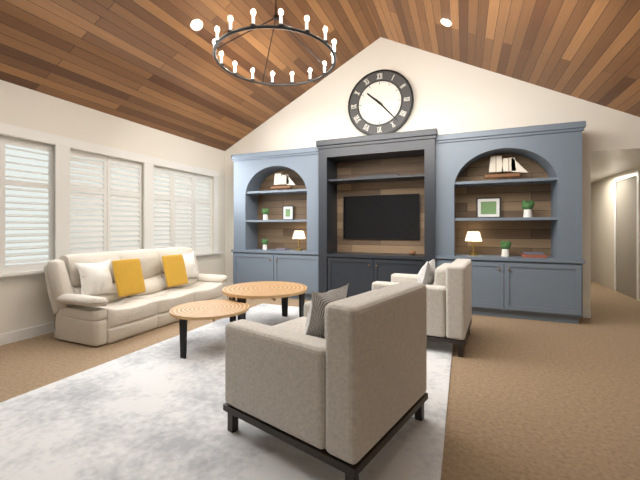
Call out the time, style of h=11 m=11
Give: h=10 m=23
